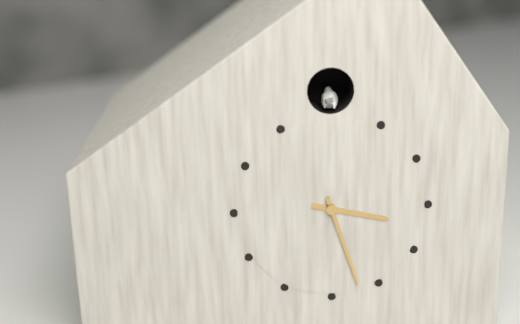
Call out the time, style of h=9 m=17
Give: h=3 m=27
